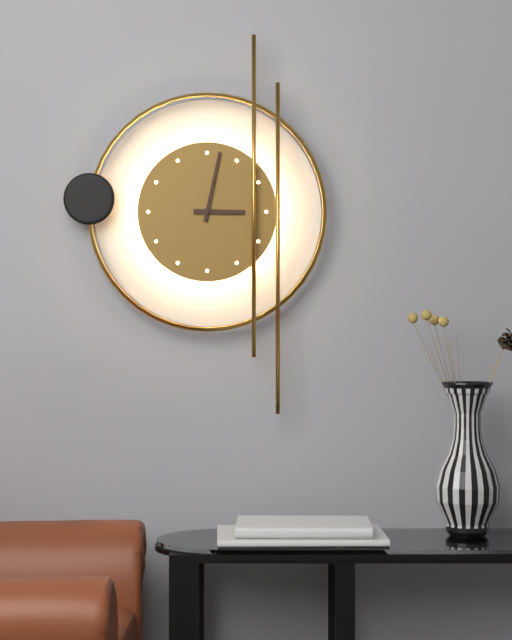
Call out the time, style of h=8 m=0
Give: h=3 m=2
